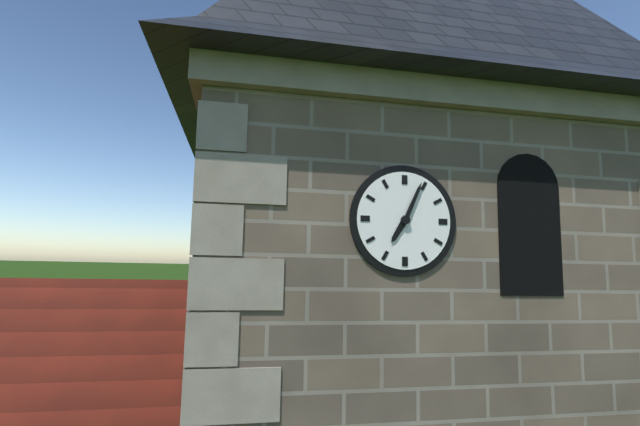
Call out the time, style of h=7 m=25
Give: h=7 m=4
